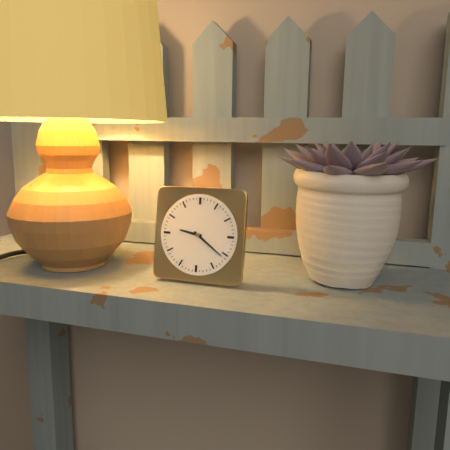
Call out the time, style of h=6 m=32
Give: h=9 m=21
